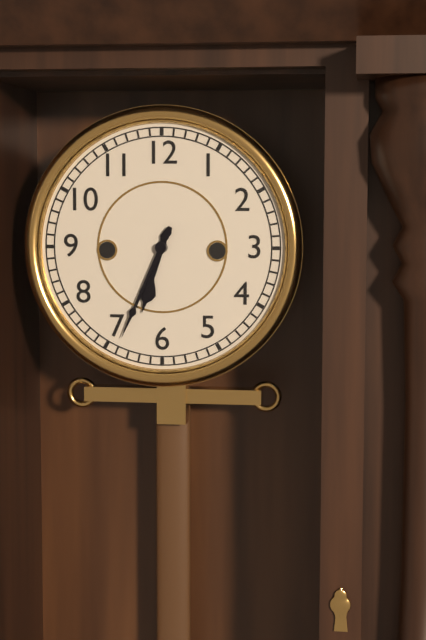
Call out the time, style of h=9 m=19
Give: h=6 m=34
